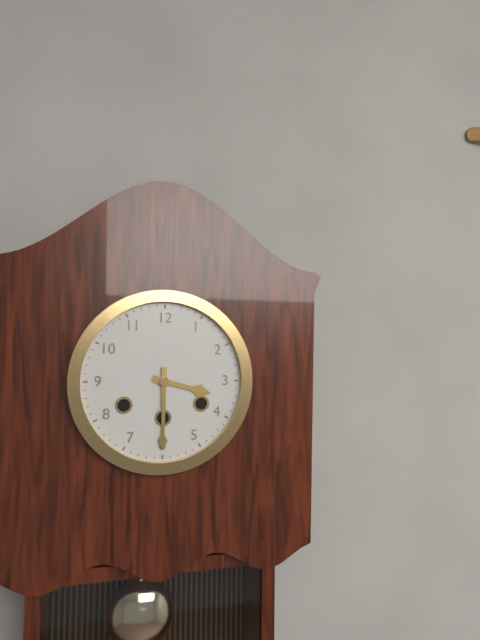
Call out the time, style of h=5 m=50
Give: h=3 m=30
